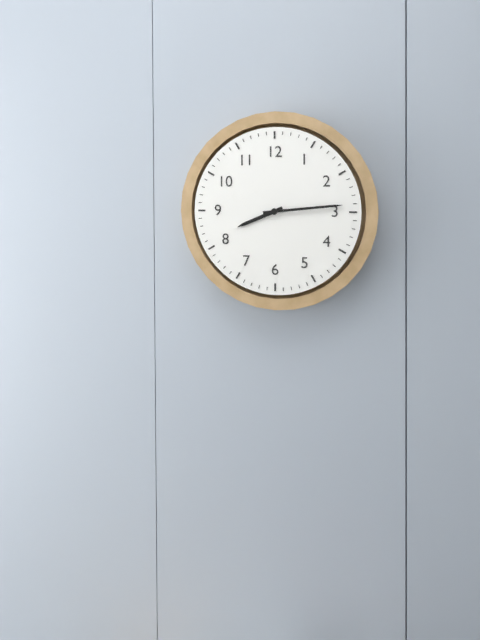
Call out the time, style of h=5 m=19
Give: h=8 m=14
